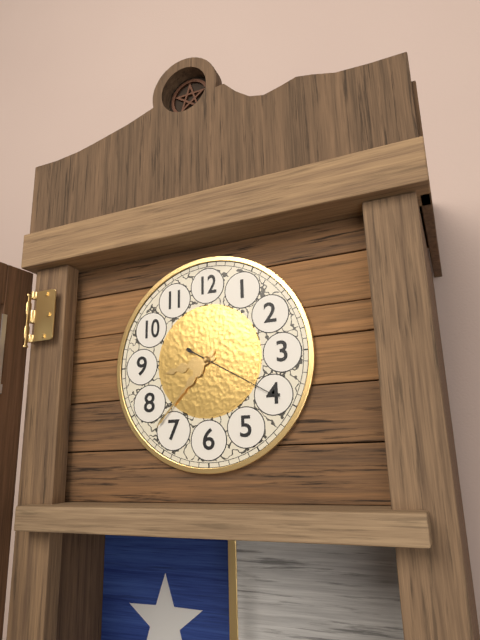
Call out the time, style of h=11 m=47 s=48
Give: h=8 m=37 s=20
